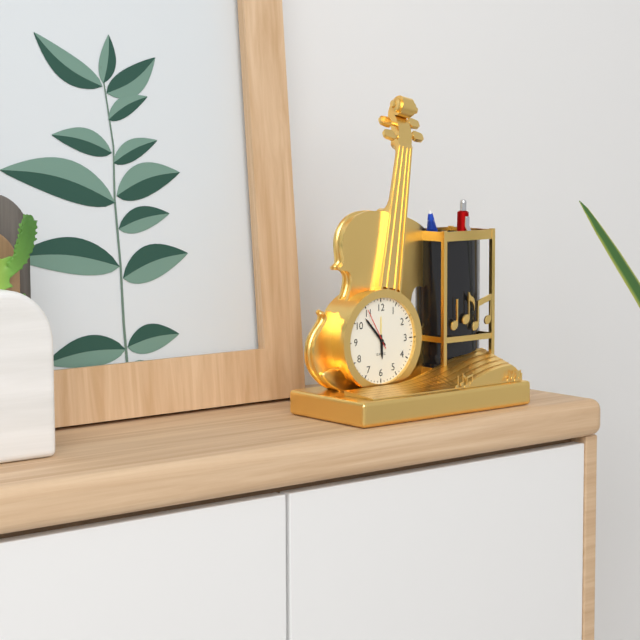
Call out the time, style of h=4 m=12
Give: h=5 m=53
